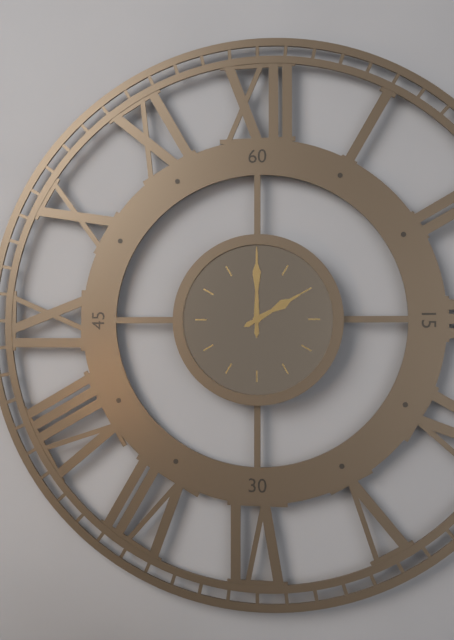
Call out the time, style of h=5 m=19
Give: h=2 m=0
